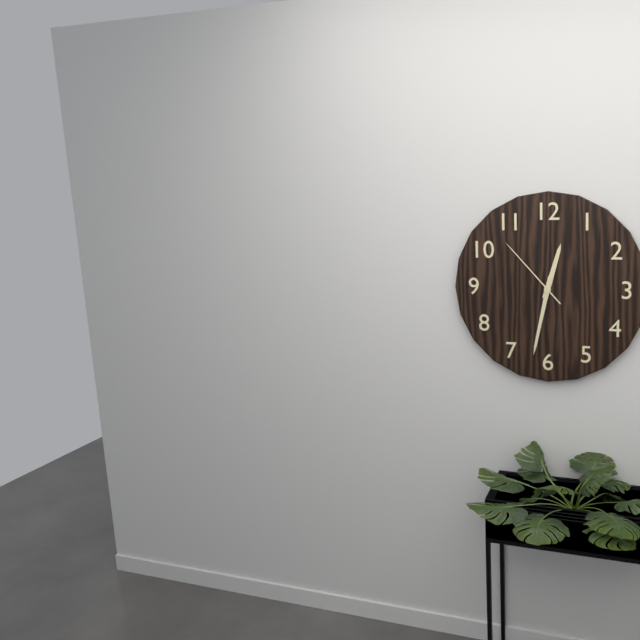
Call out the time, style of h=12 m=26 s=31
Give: h=12 m=32 s=53
